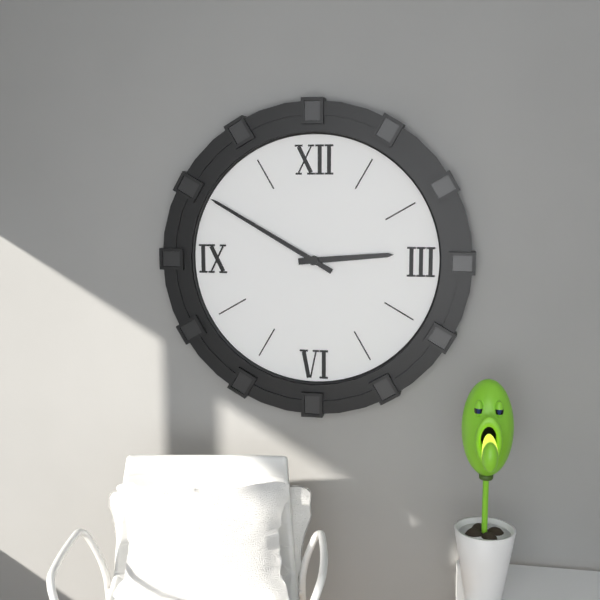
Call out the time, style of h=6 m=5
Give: h=2 m=50
